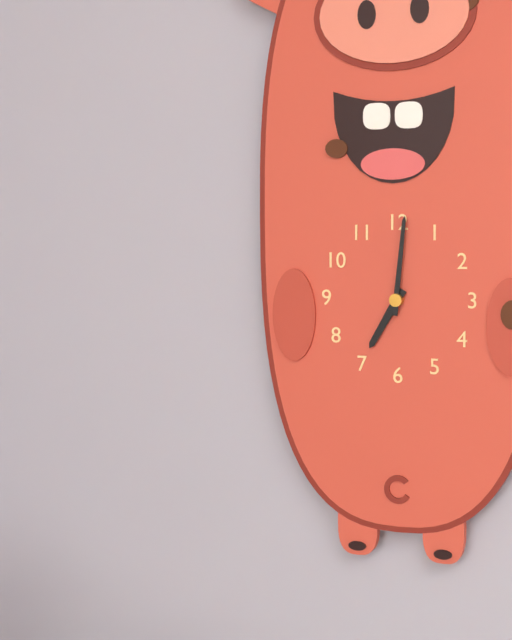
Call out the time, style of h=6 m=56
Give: h=7 m=1
